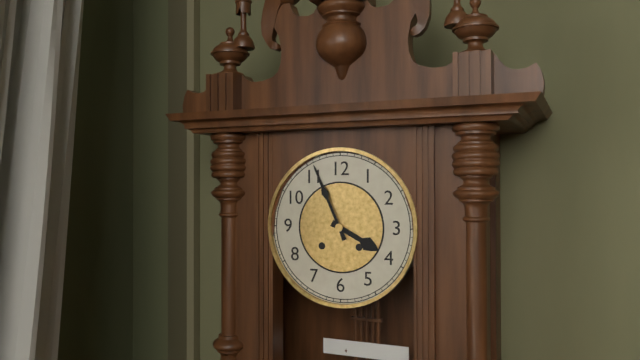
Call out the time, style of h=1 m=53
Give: h=3 m=56
